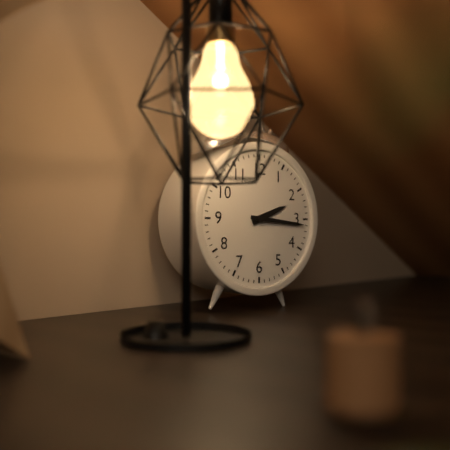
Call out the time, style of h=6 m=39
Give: h=2 m=16
